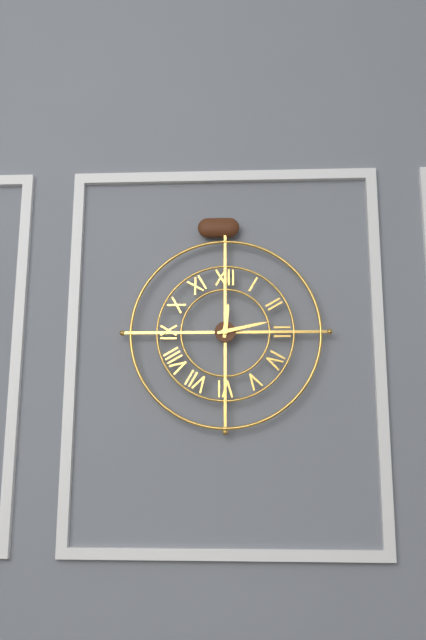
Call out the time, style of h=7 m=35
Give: h=12 m=13
